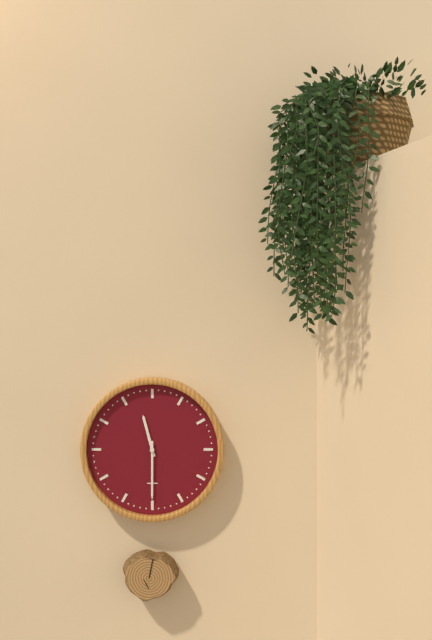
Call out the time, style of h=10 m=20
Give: h=11 m=30
